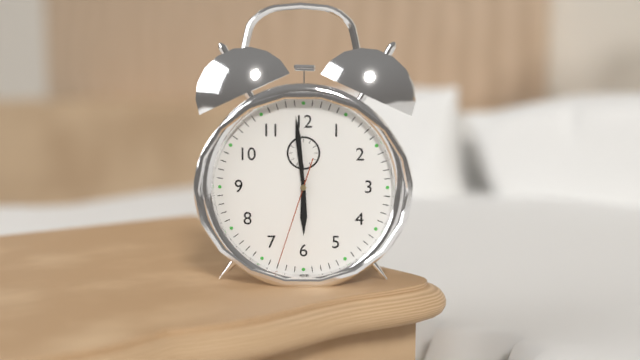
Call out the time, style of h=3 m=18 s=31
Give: h=5 m=59 s=33
